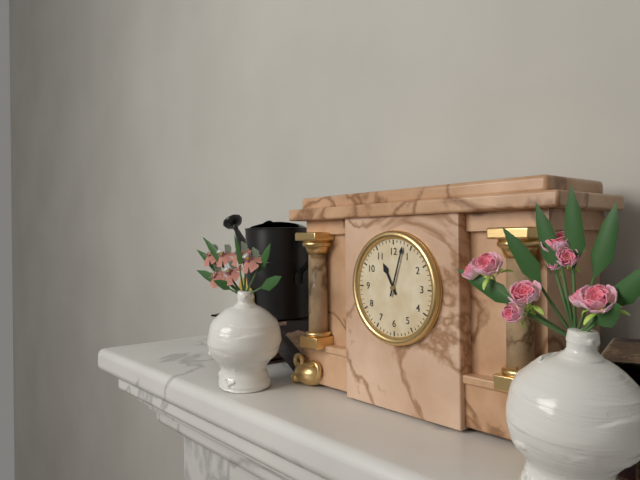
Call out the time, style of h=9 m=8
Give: h=11 m=3
